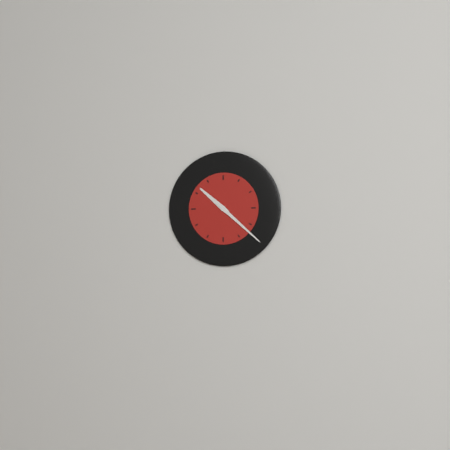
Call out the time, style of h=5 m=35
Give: h=10 m=22
